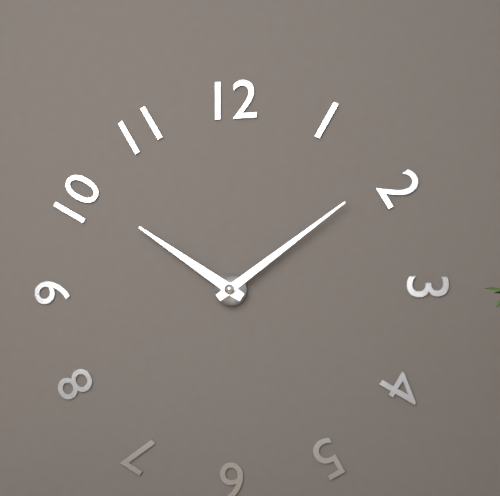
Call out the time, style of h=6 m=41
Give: h=10 m=9
